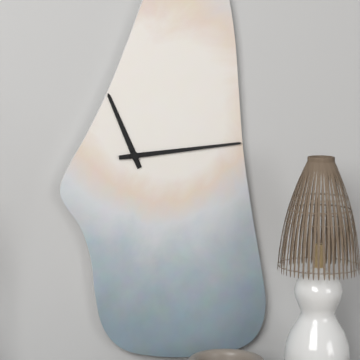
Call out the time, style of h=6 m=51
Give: h=11 m=14
